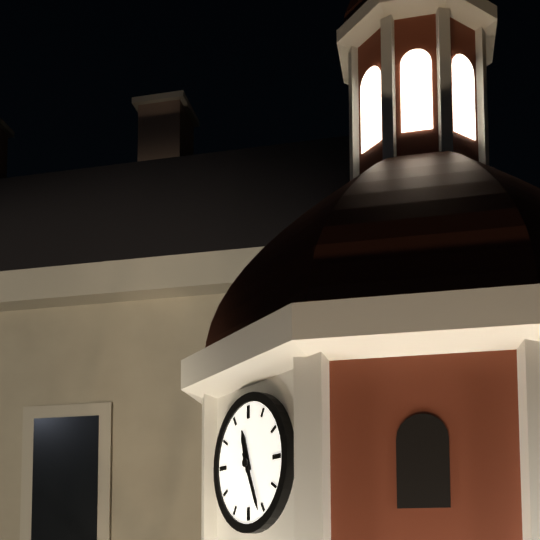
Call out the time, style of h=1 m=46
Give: h=11 m=26
